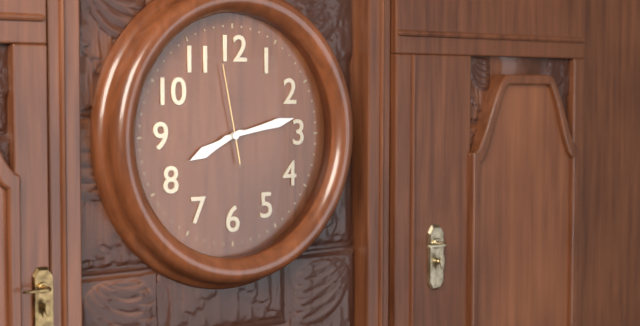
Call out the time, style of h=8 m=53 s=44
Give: h=8 m=13 s=58
